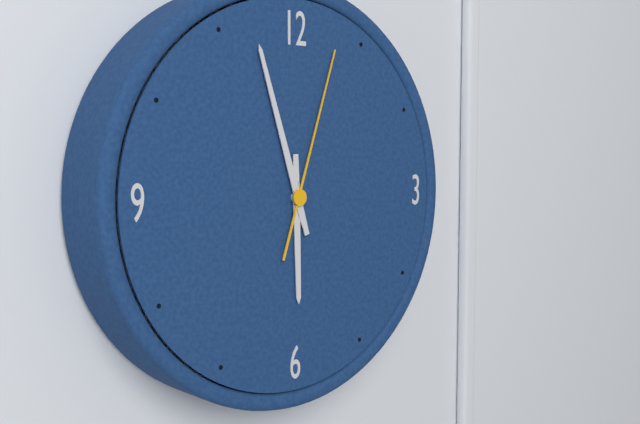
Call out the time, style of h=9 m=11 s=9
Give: h=5 m=57 s=3
